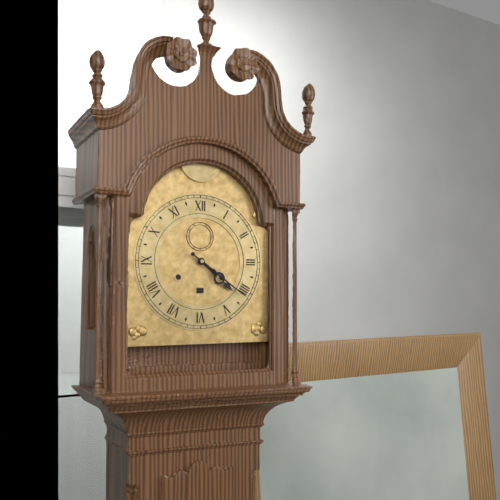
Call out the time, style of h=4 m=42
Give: h=4 m=21
